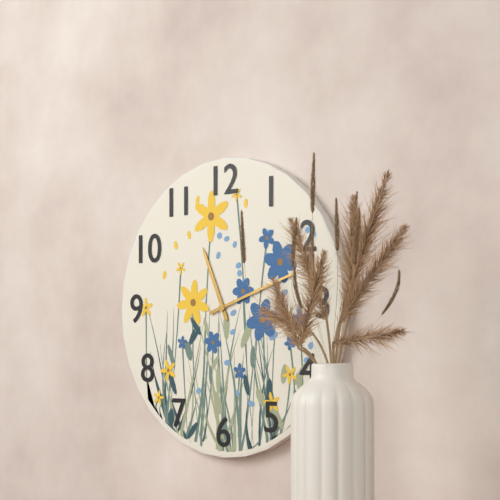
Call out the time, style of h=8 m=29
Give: h=11 m=12
